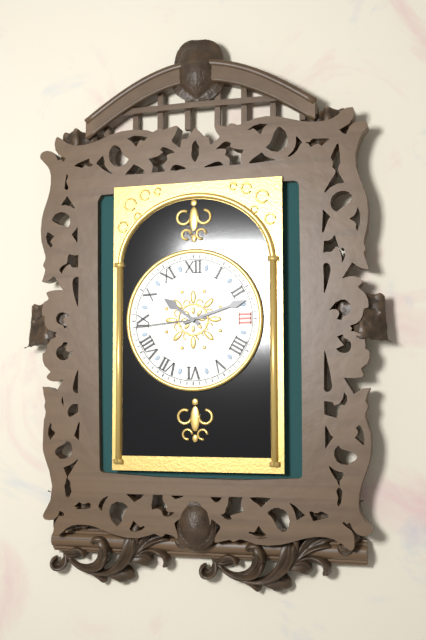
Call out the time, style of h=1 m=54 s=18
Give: h=10 m=12 s=44
